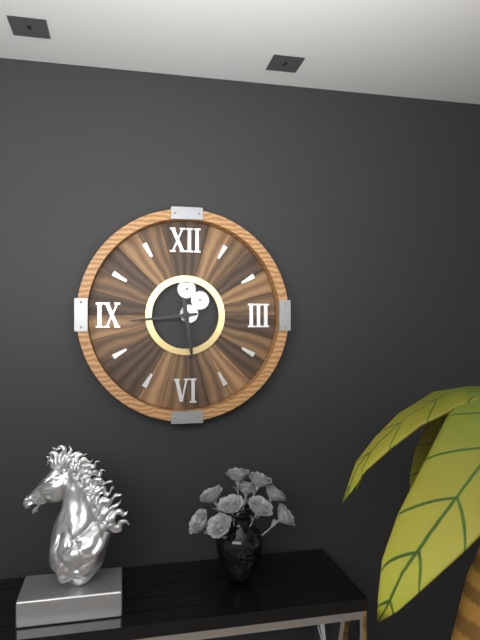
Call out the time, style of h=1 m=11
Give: h=5 m=44
